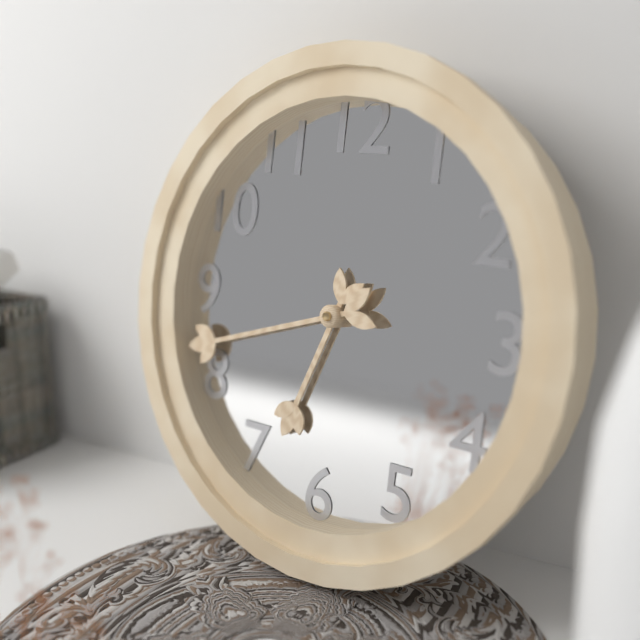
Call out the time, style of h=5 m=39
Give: h=6 m=42
